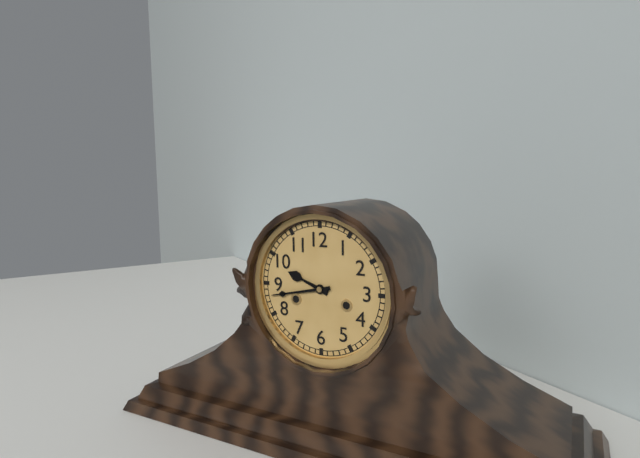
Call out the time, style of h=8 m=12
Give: h=9 m=43
